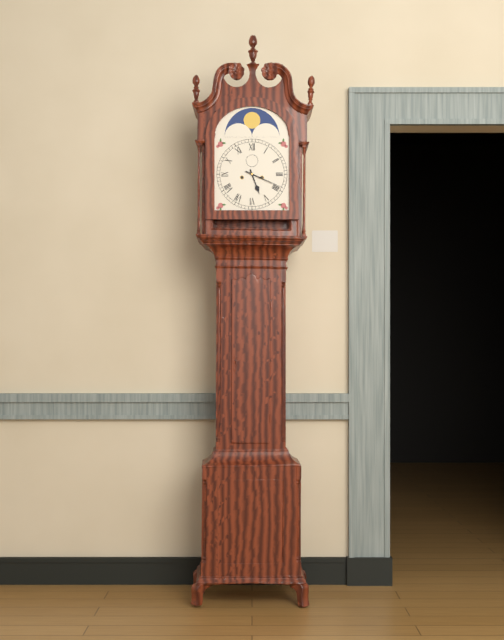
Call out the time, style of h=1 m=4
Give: h=5 m=19
